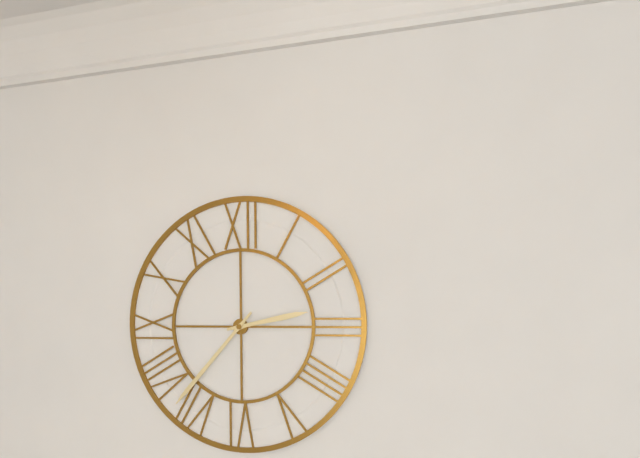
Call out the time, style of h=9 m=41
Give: h=2 m=37
